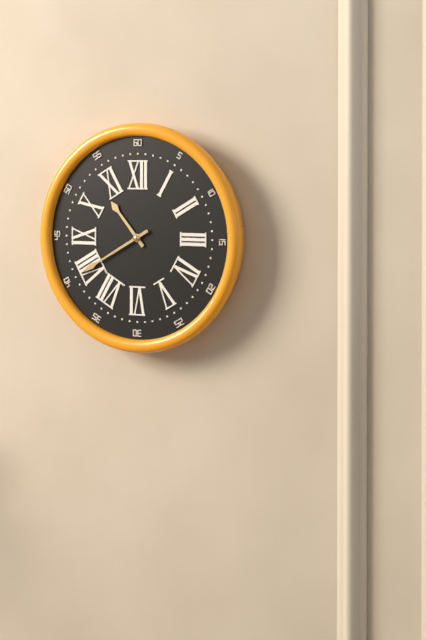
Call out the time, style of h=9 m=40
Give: h=10 m=40
